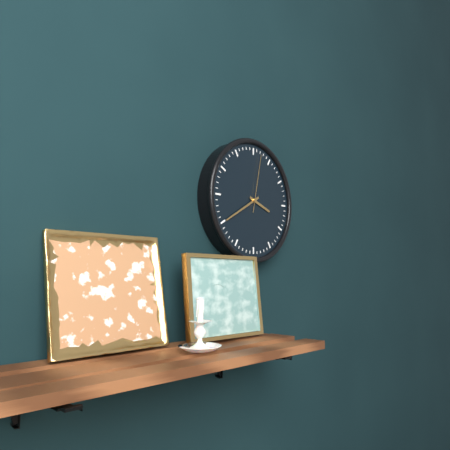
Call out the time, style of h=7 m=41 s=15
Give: h=3 m=40 s=2
